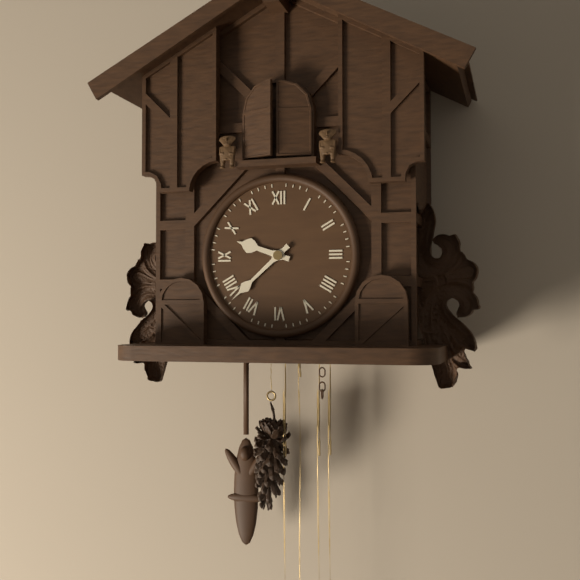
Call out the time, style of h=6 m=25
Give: h=9 m=38
